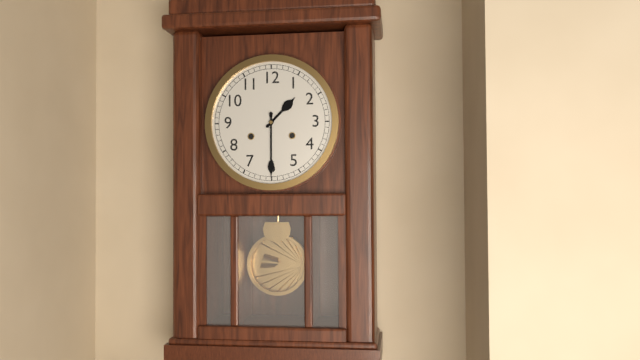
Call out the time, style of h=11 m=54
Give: h=1 m=30
